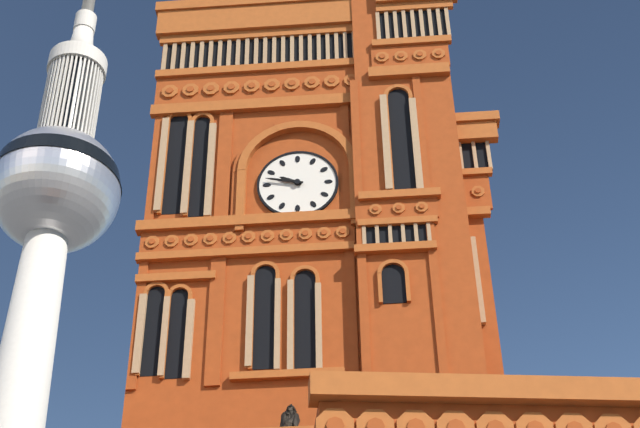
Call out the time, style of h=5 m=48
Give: h=9 m=47
